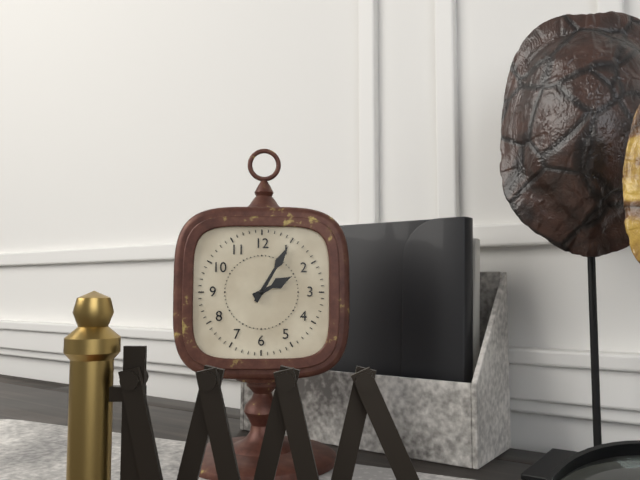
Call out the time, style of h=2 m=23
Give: h=2 m=5
